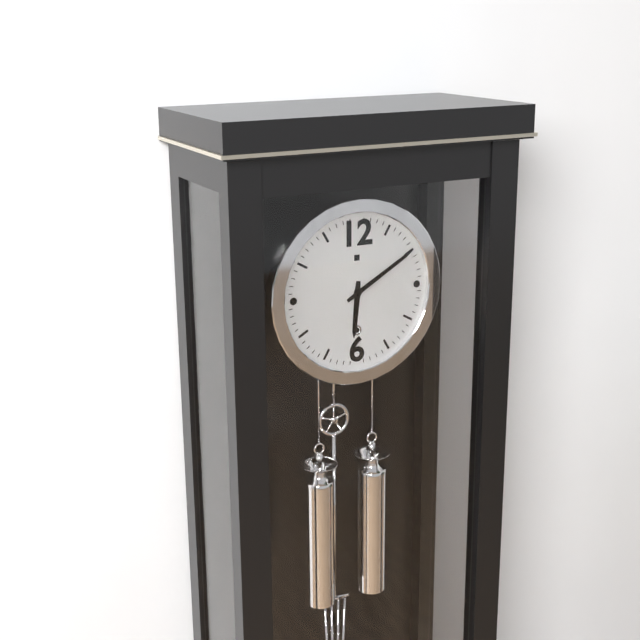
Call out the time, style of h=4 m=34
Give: h=6 m=10
